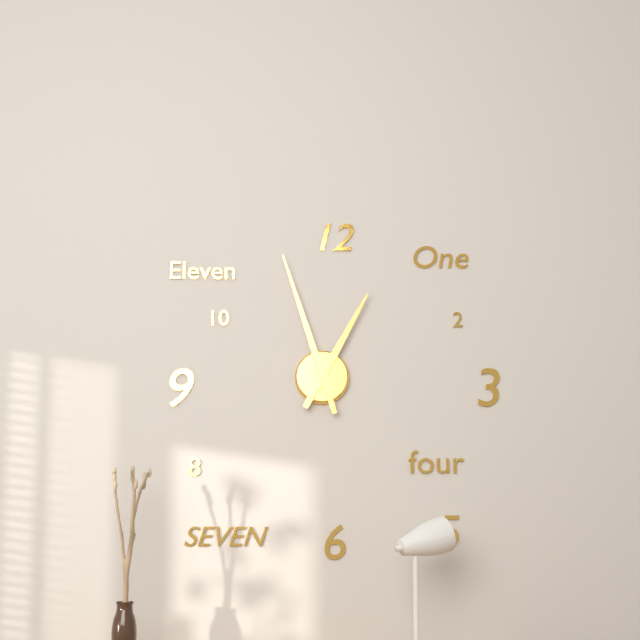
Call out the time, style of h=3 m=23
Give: h=12 m=57
